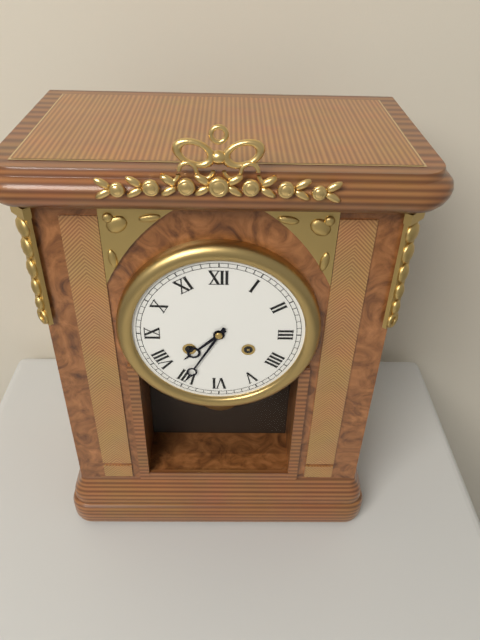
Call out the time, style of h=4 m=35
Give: h=7 m=35
